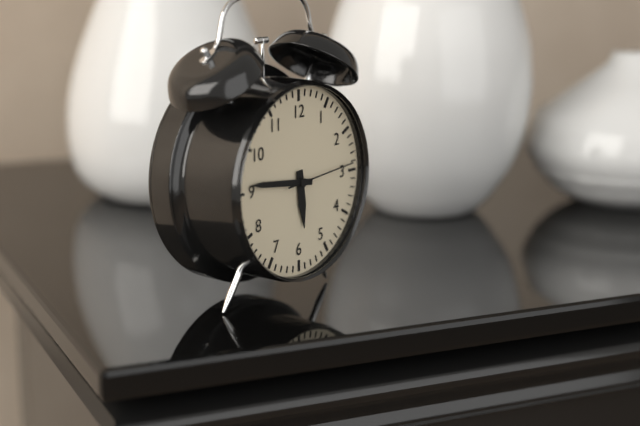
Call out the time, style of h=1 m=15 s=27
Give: h=5 m=46 s=14
